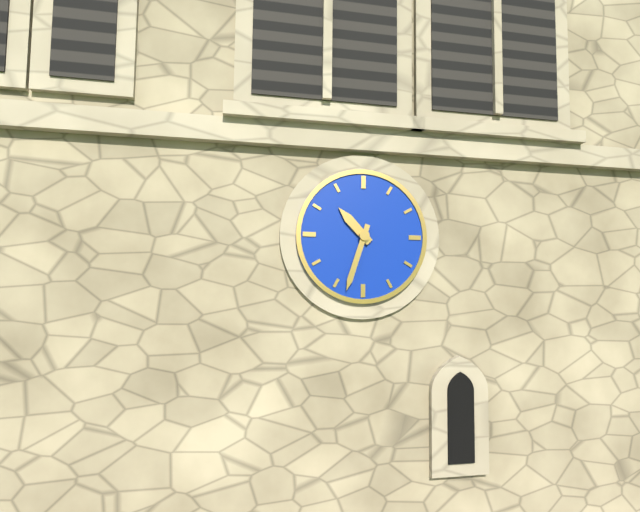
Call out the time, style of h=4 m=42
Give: h=10 m=33
